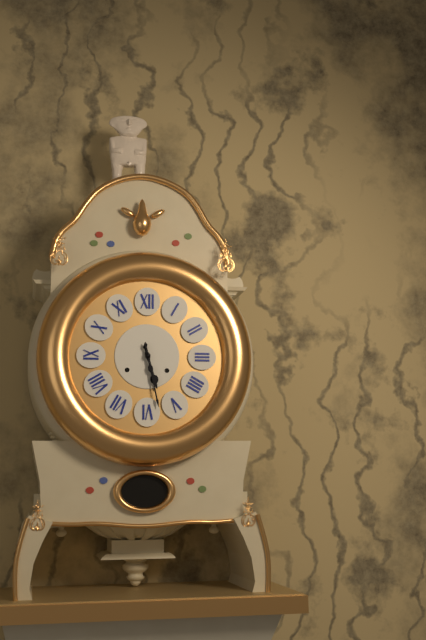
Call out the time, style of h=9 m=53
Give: h=5 m=28
